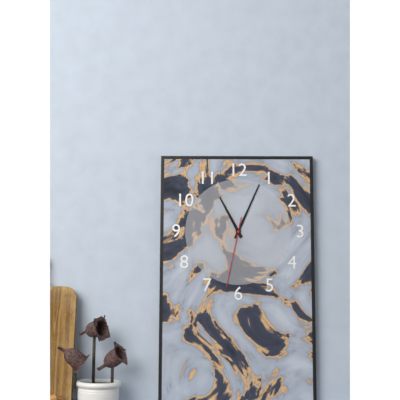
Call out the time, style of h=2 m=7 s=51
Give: h=11 m=4 s=32
